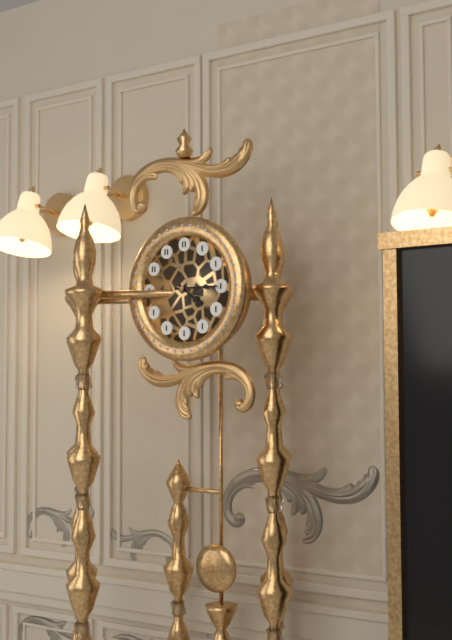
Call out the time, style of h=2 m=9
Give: h=4 m=15
